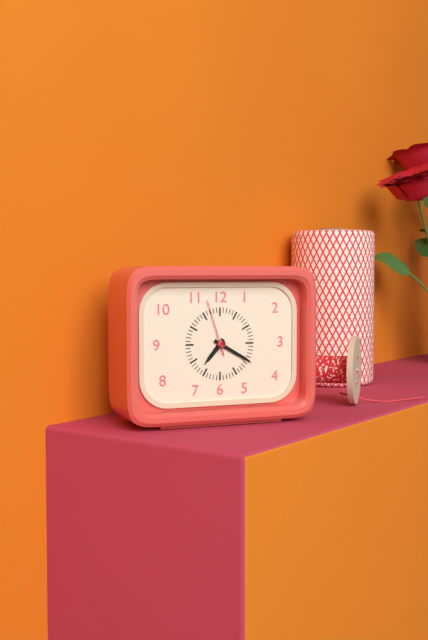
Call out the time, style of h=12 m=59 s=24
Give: h=7 m=20 s=57
